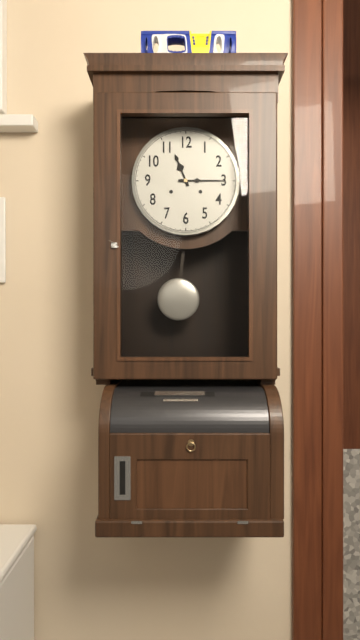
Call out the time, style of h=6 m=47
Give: h=11 m=15
